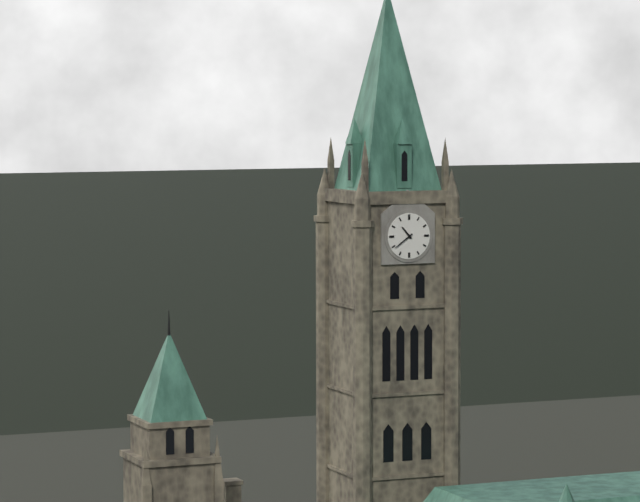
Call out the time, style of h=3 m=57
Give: h=10 m=39
